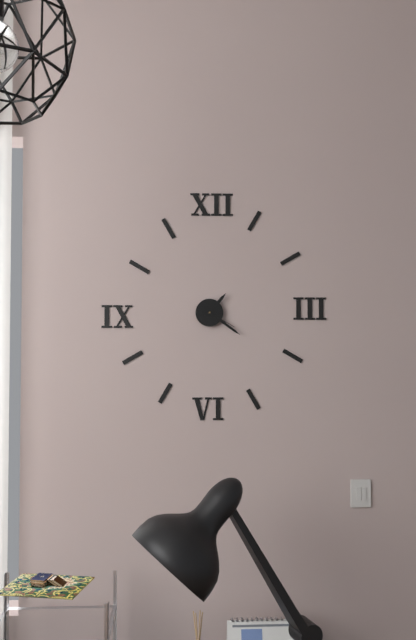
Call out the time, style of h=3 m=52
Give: h=1 m=21
